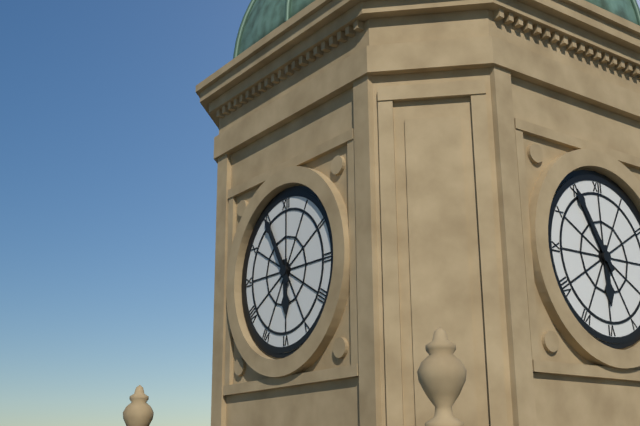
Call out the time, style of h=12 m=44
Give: h=5 m=55
